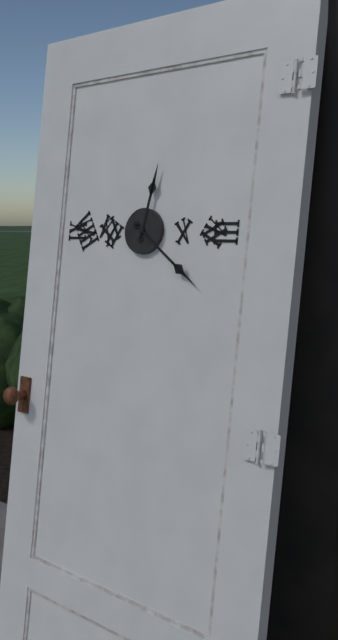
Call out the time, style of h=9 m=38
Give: h=12 m=21
